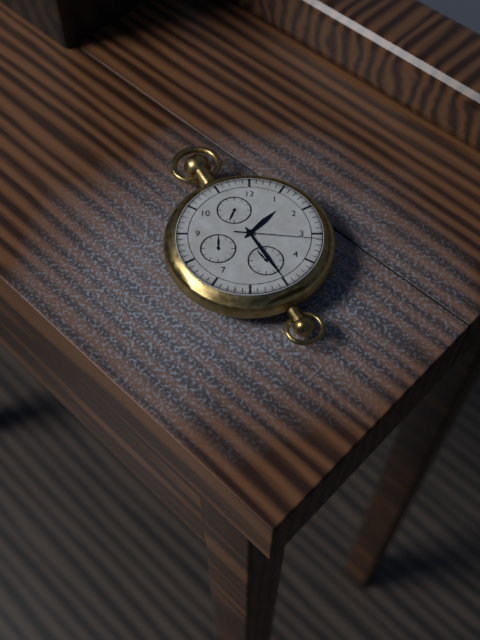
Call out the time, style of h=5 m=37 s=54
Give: h=1 m=25 s=16
